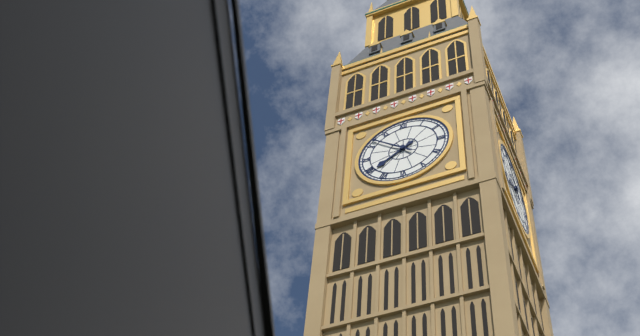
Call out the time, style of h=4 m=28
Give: h=7 m=52
